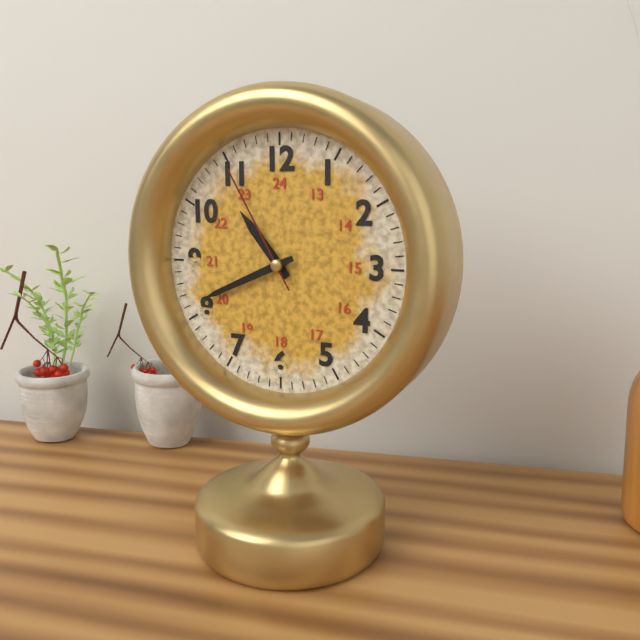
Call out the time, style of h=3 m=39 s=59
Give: h=10 m=41 s=55
